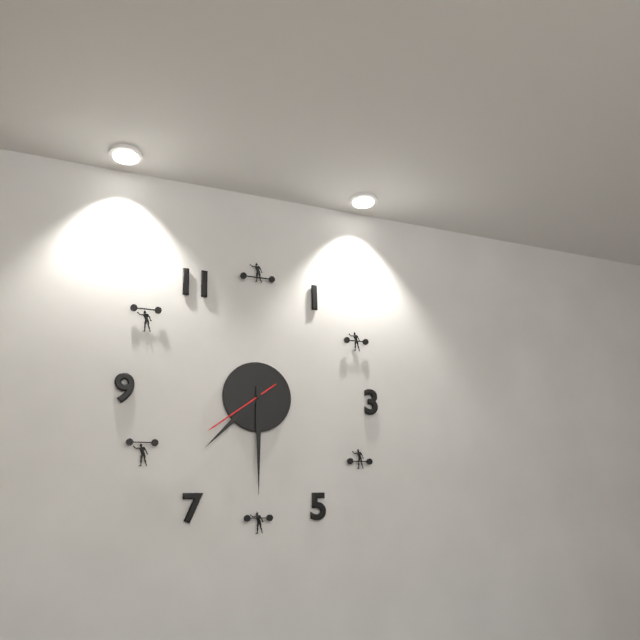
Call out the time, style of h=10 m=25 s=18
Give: h=7 m=30 s=39
